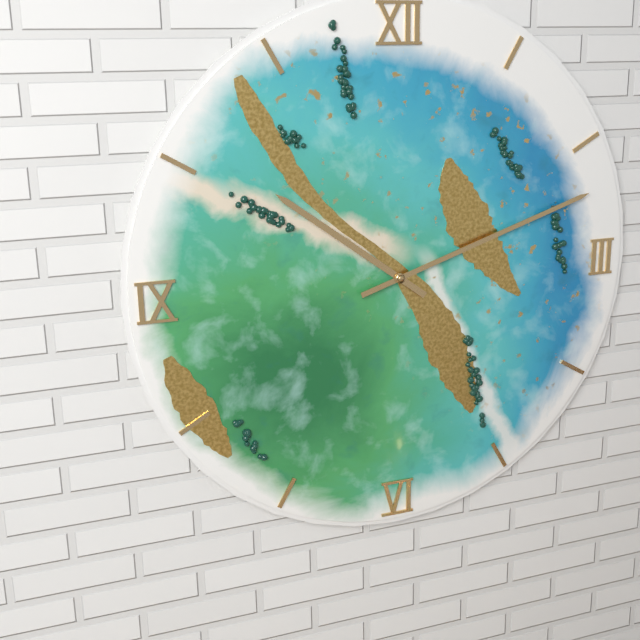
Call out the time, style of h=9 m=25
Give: h=10 m=12
